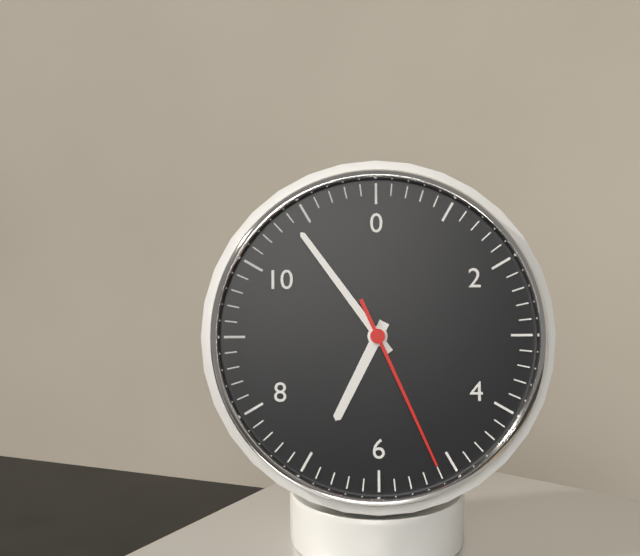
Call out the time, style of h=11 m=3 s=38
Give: h=6 m=54 s=26
